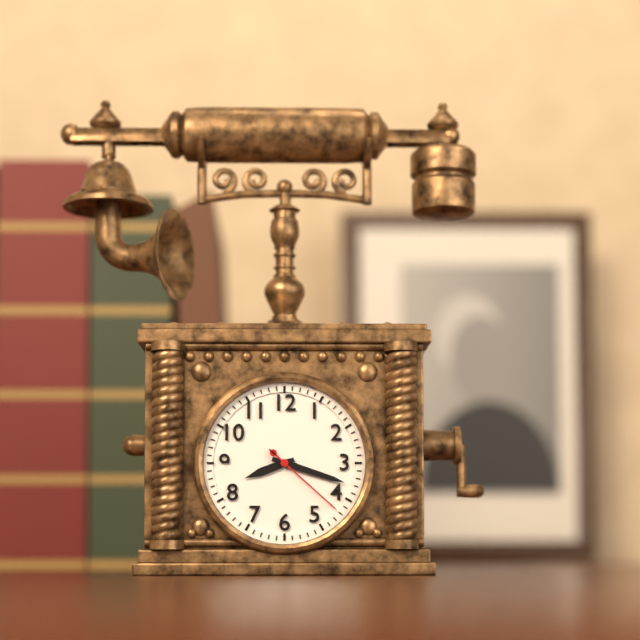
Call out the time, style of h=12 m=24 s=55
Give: h=8 m=18 s=22
